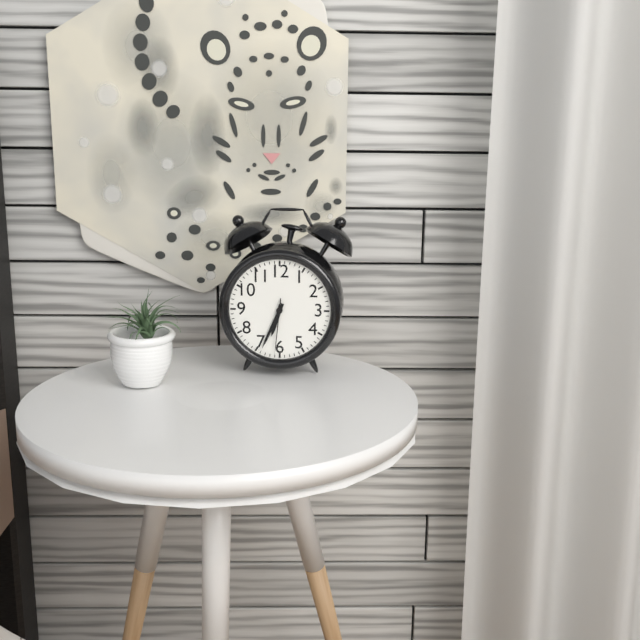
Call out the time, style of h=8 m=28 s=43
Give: h=6 m=34 s=31
